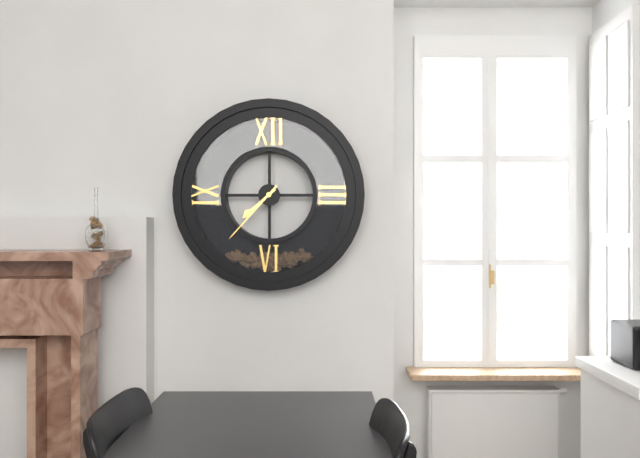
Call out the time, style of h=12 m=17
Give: h=7 m=37
